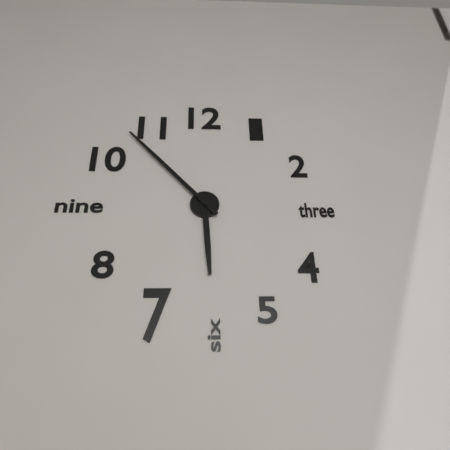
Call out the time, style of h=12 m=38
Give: h=5 m=53
